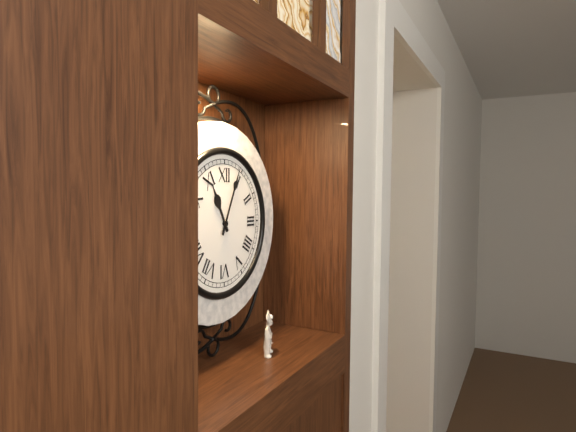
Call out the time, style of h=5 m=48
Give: h=11 m=4
